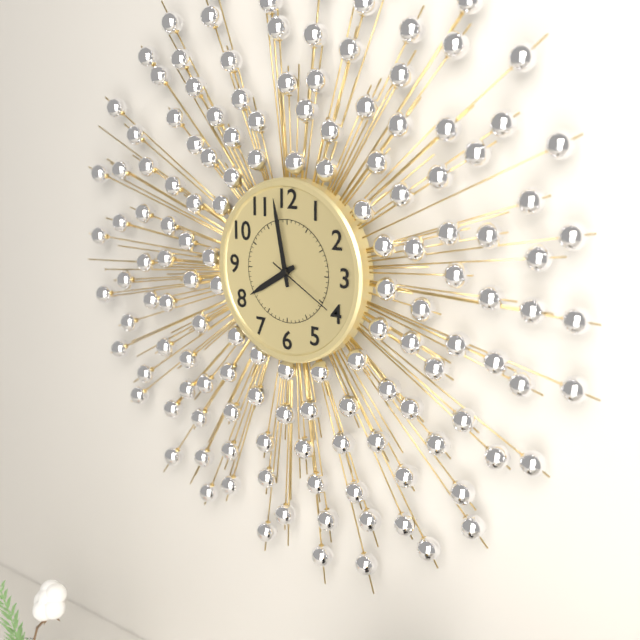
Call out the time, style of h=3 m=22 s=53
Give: h=7 m=58 s=20
